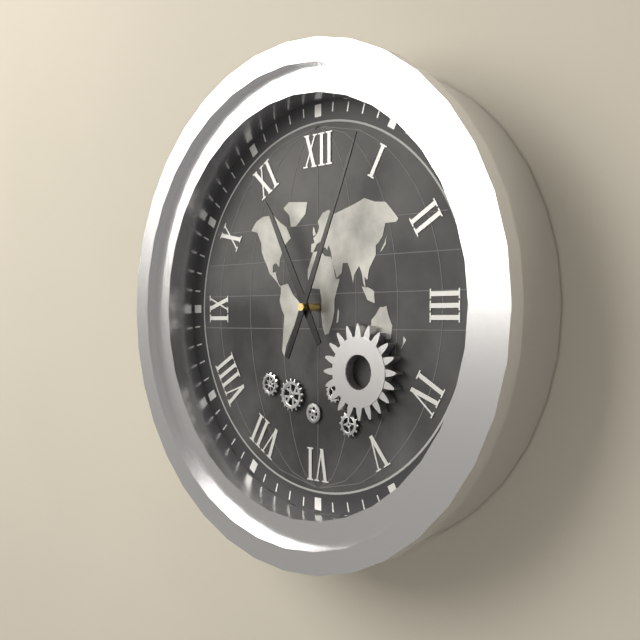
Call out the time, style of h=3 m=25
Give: h=11 m=4
